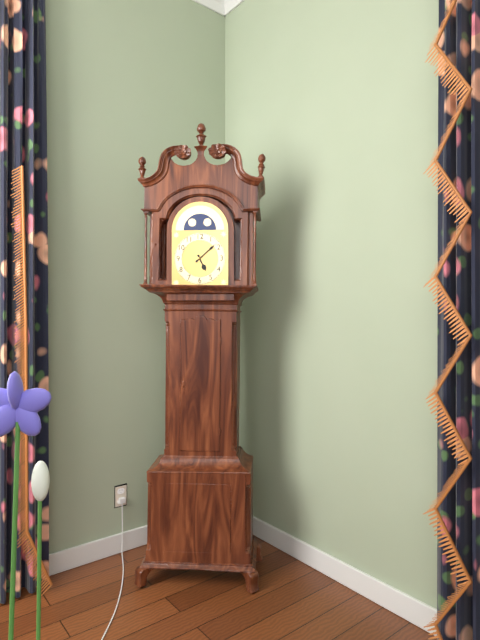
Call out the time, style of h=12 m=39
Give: h=5 m=8
